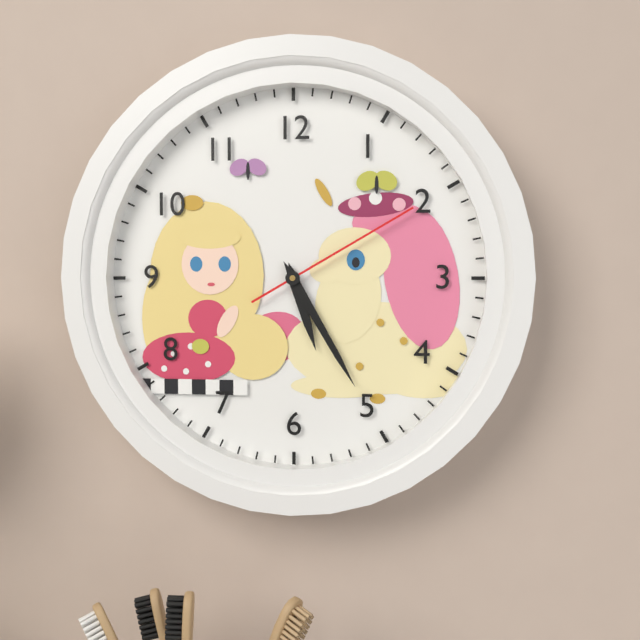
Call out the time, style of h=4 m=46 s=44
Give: h=5 m=25 s=10
